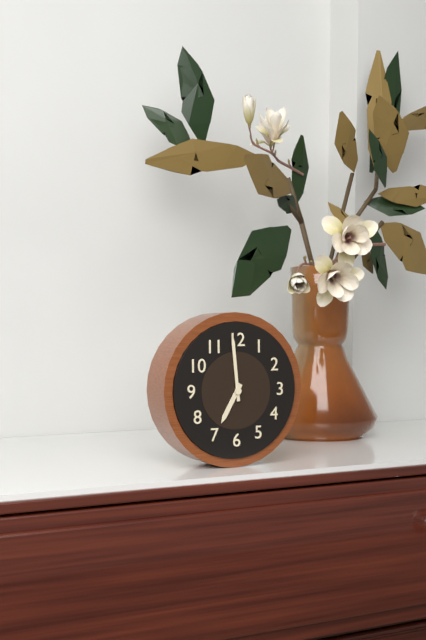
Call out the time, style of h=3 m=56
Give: h=6 m=59
